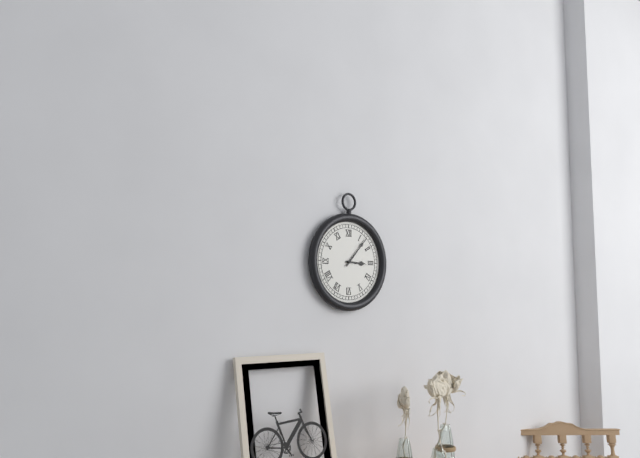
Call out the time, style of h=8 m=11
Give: h=3 m=7
